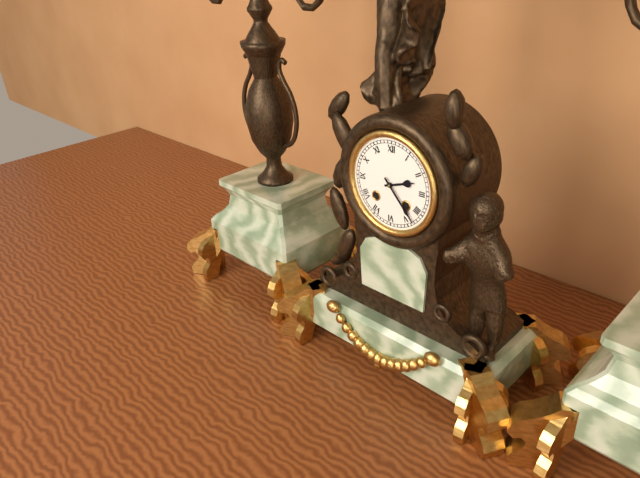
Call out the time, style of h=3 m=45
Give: h=2 m=23
